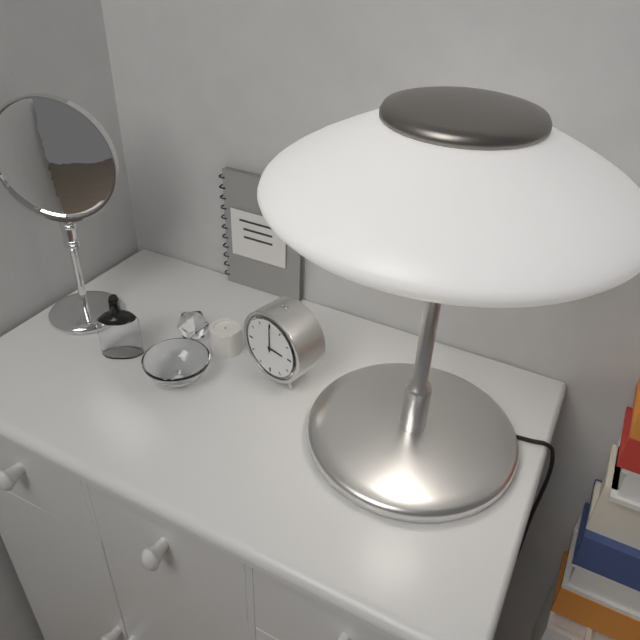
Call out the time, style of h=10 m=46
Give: h=3 m=0
